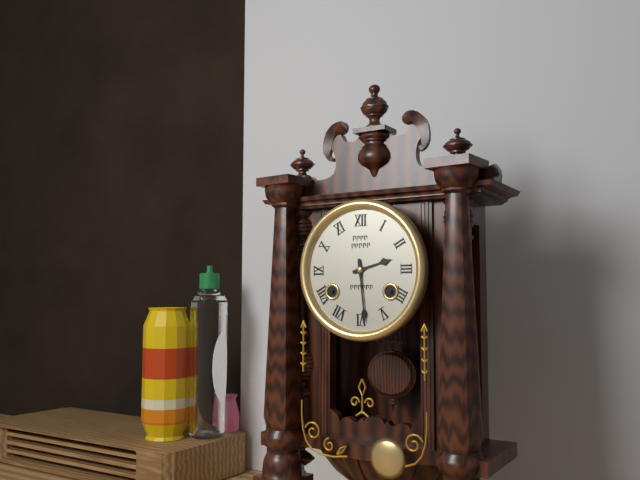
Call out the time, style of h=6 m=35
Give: h=2 m=29
